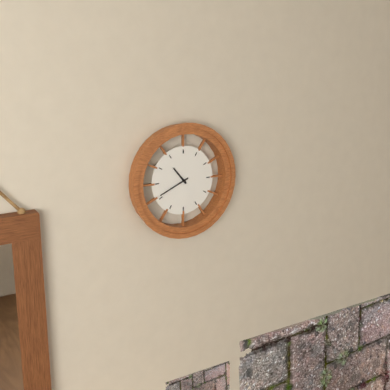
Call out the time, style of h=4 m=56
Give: h=10 m=41
